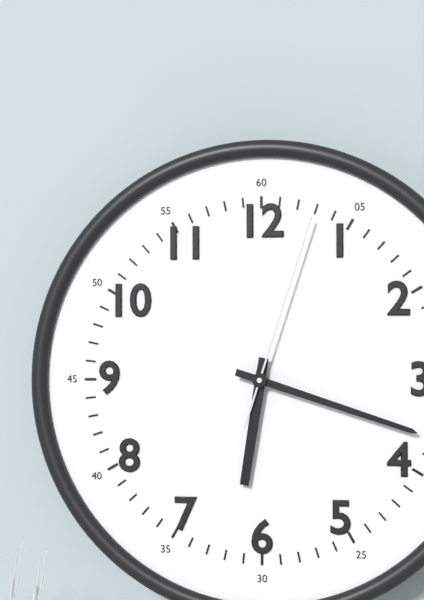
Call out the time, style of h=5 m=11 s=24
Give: h=6 m=18 s=3
